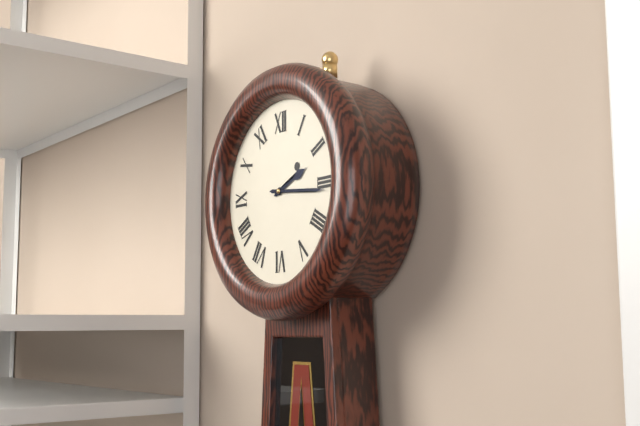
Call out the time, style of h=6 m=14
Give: h=2 m=16
